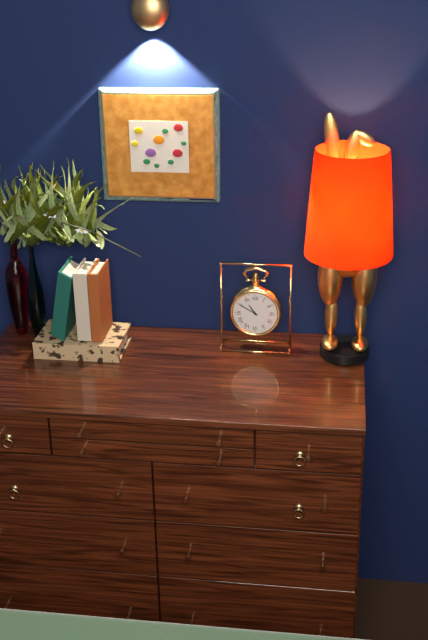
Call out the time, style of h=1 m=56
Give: h=10 m=50
